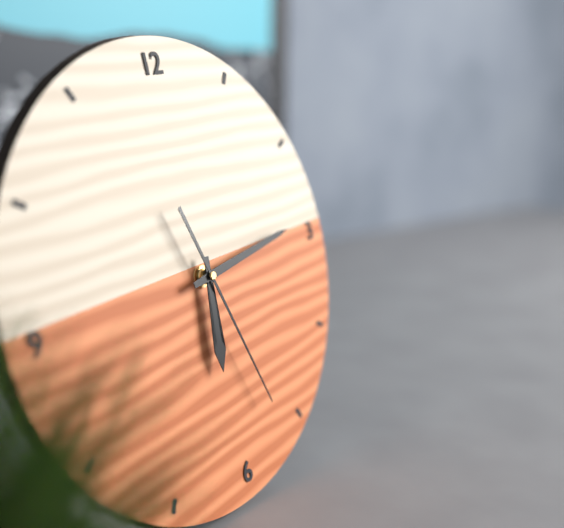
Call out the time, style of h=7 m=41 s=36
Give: h=6 m=14 s=27
